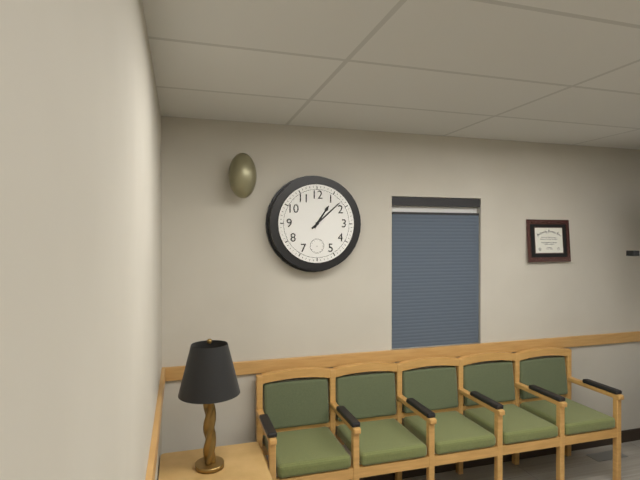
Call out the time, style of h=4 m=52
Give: h=1 m=8
